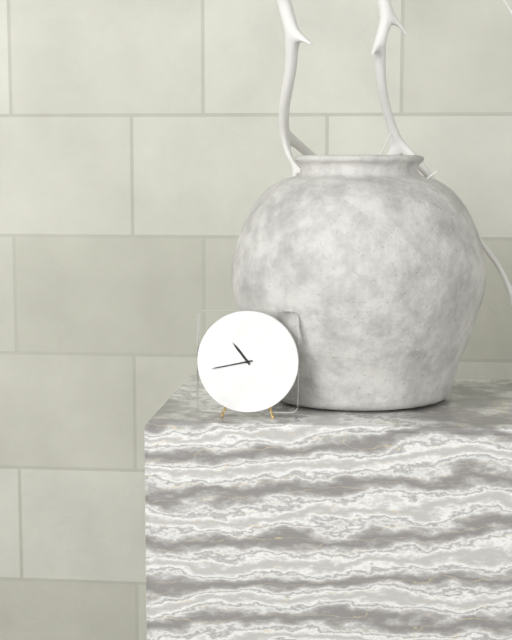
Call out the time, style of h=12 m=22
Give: h=10 m=43
